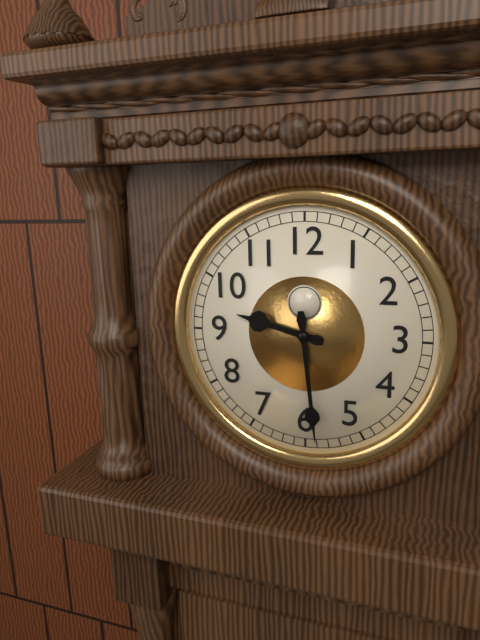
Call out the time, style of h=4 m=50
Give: h=9 m=29
